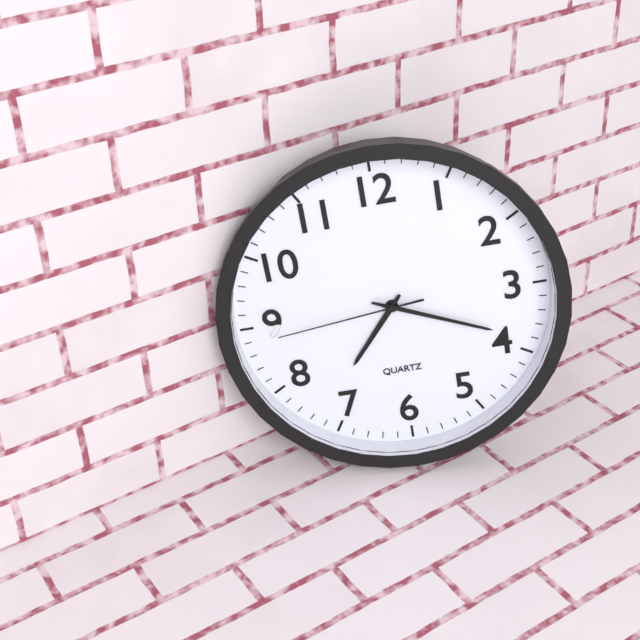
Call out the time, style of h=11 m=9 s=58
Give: h=7 m=19 s=44
